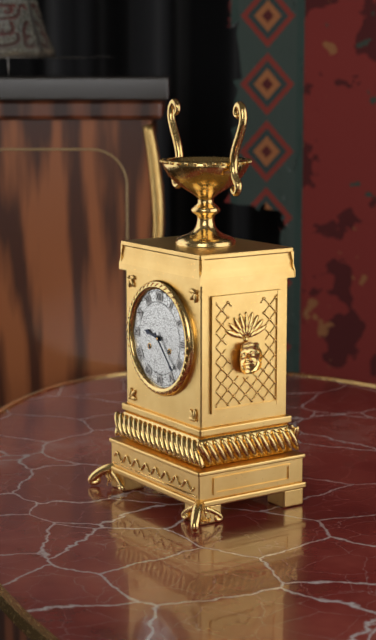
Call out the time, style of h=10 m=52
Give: h=9 m=23
